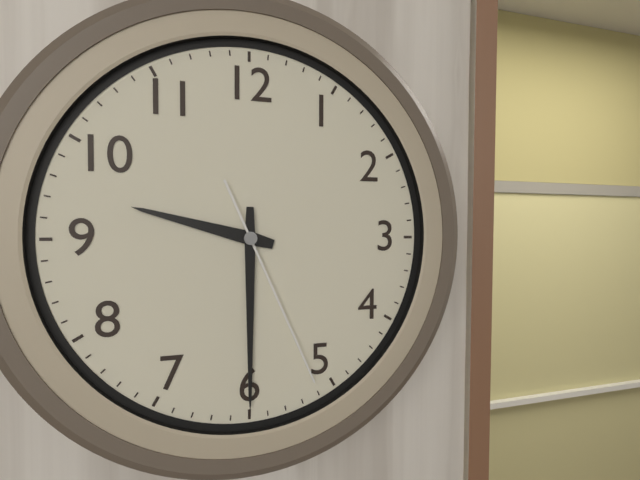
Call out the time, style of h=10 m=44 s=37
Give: h=9 m=30 s=26
